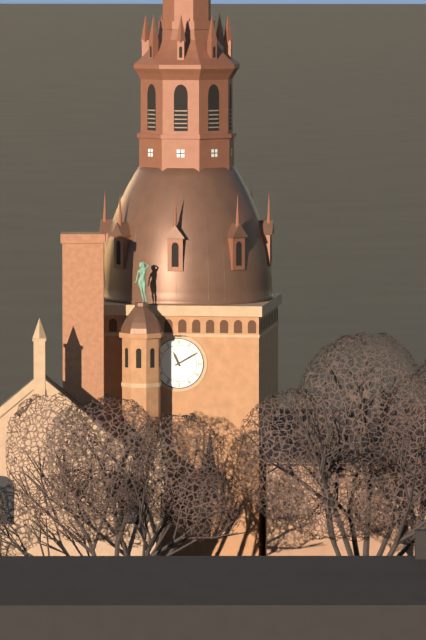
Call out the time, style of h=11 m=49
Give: h=11 m=10
